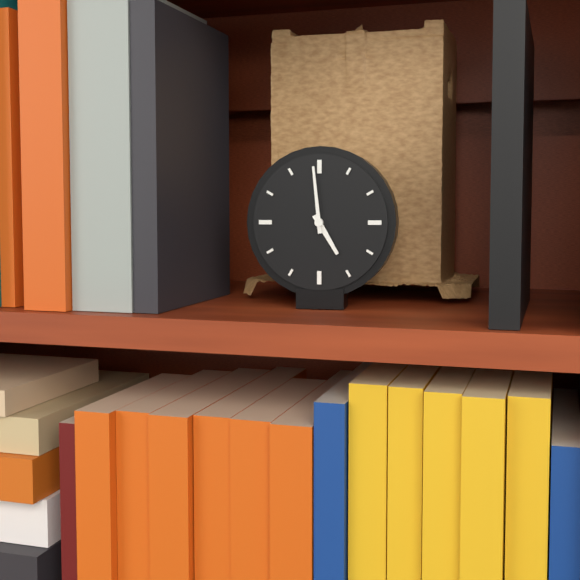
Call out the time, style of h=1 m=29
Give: h=4 m=59
